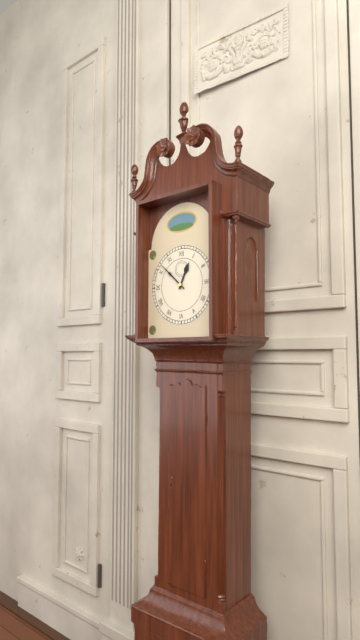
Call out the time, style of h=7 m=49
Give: h=12 m=52
